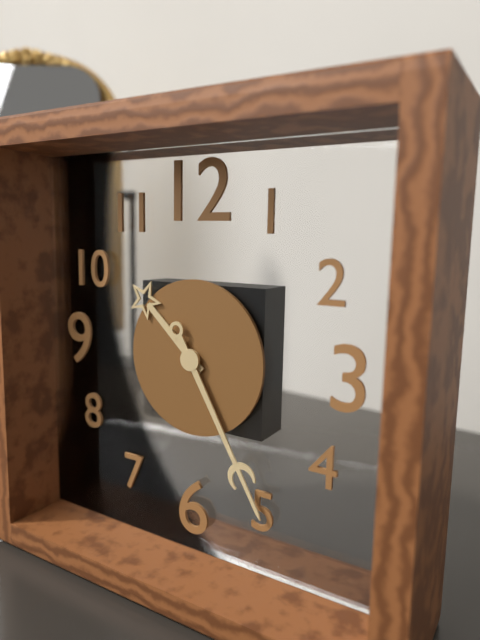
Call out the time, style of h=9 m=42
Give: h=10 m=25
